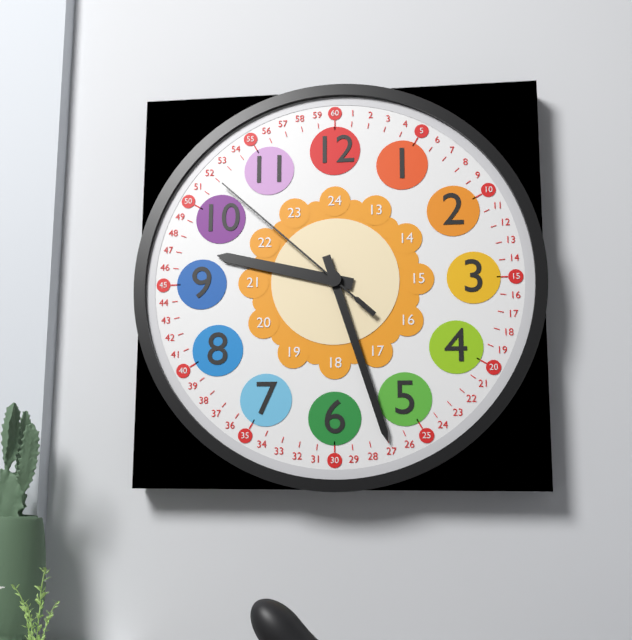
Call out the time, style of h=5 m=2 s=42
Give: h=9 m=27 s=52
